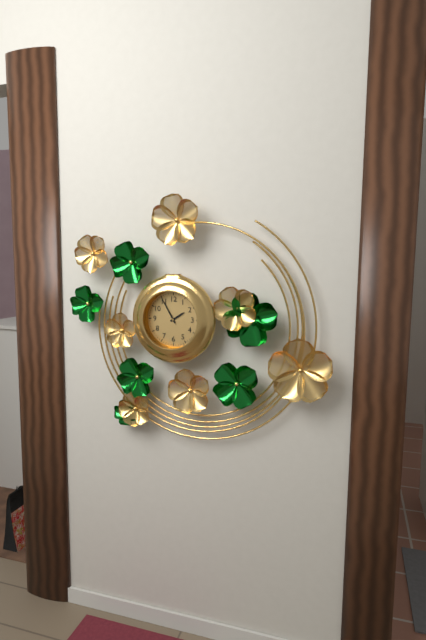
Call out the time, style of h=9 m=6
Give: h=1 m=55
